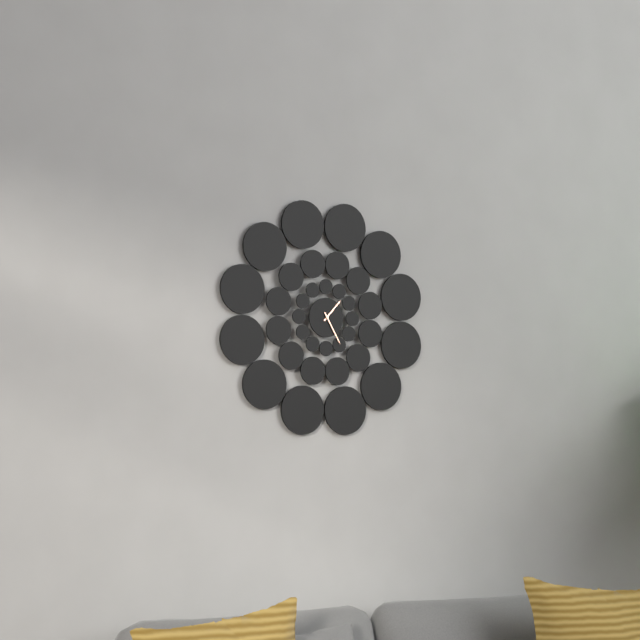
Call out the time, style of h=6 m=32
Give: h=1 m=25
